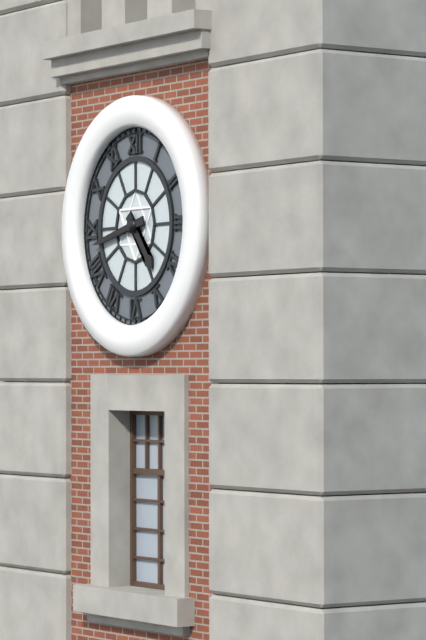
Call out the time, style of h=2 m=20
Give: h=4 m=43
